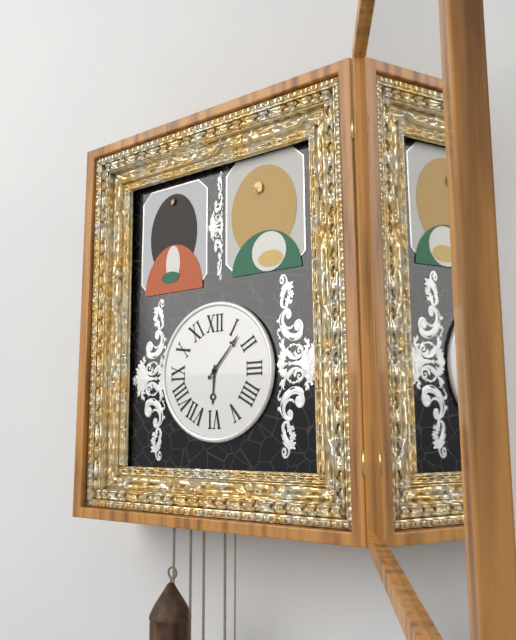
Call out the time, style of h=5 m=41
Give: h=6 m=7
